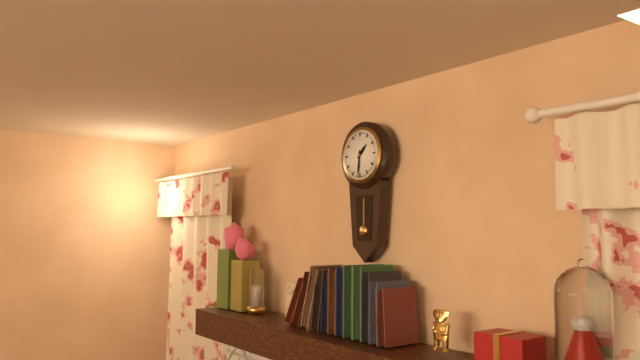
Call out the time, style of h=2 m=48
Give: h=1 m=31
